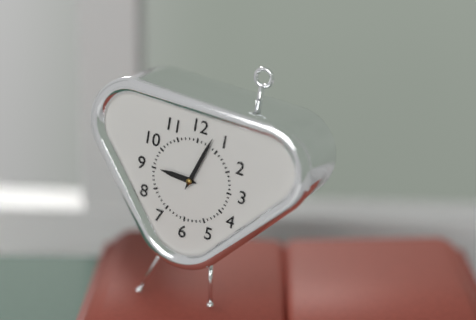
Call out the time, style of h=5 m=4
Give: h=9 m=3
